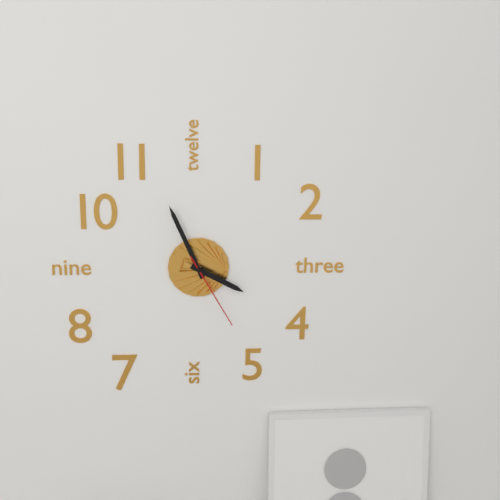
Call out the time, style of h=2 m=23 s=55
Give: h=3 m=56 s=25
